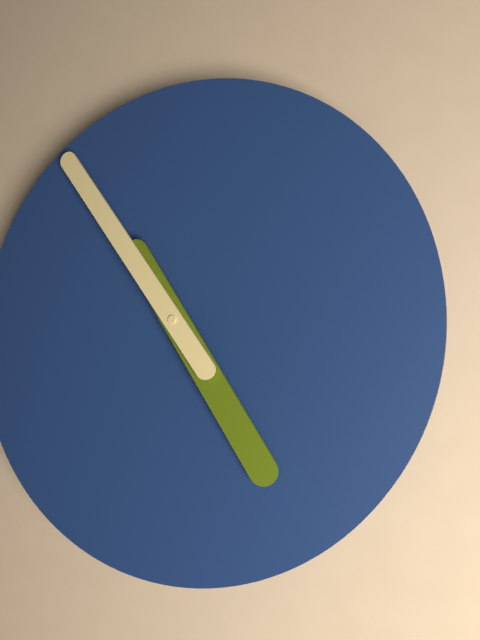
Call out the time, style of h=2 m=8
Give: h=4 m=54
